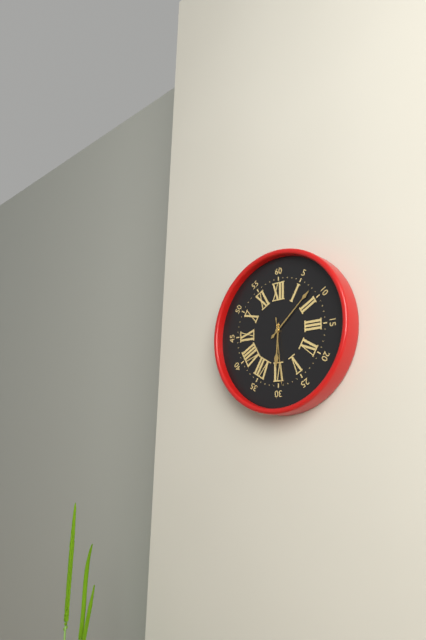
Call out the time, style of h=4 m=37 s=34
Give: h=6 m=8 s=29
